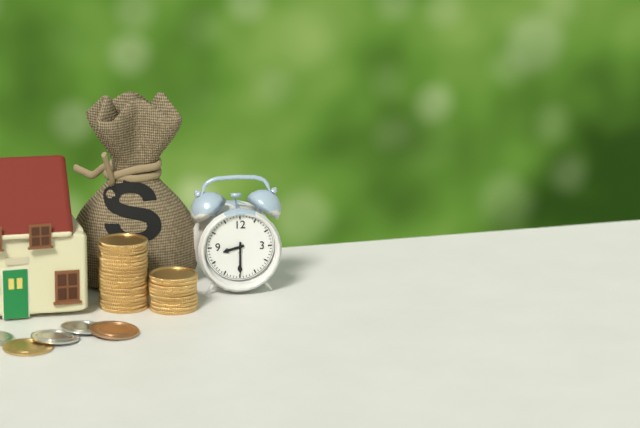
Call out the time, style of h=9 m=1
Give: h=8 m=30
